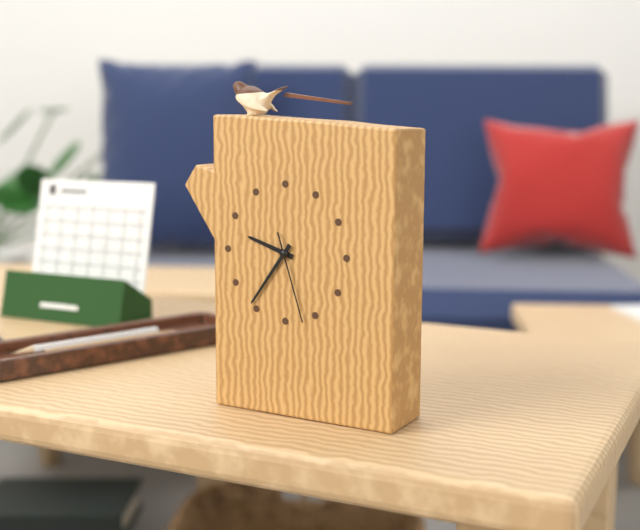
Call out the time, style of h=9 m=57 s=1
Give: h=9 m=36 s=27
